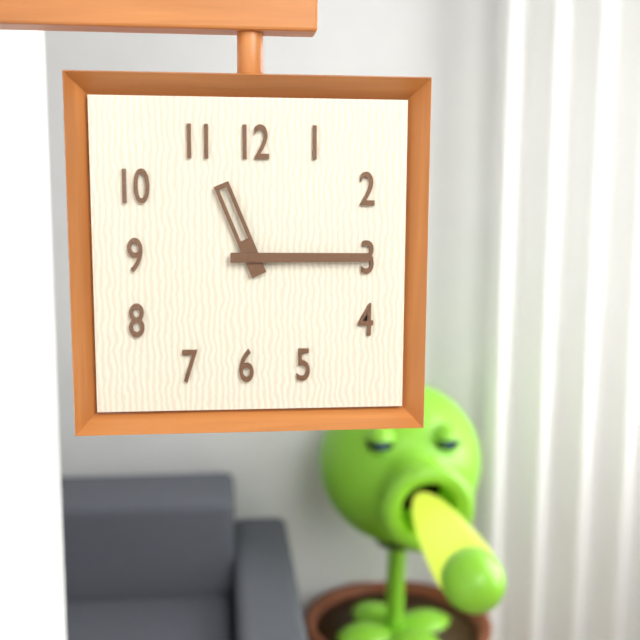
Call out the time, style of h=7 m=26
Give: h=11 m=15
